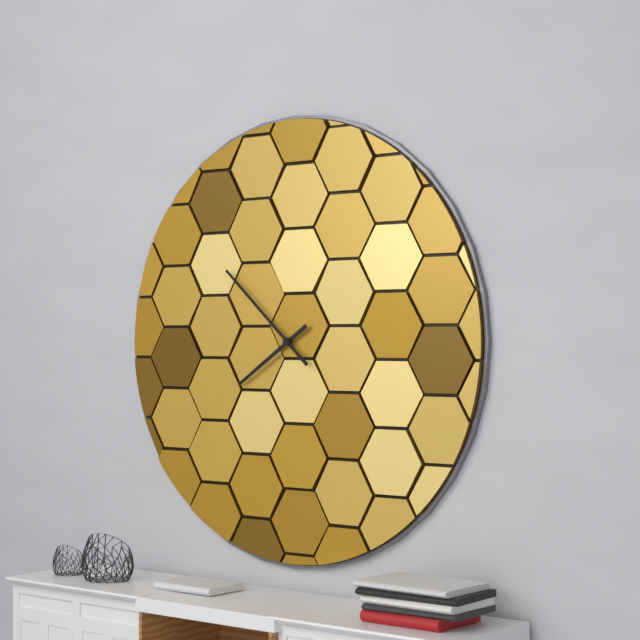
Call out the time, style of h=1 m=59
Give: h=7 m=52
